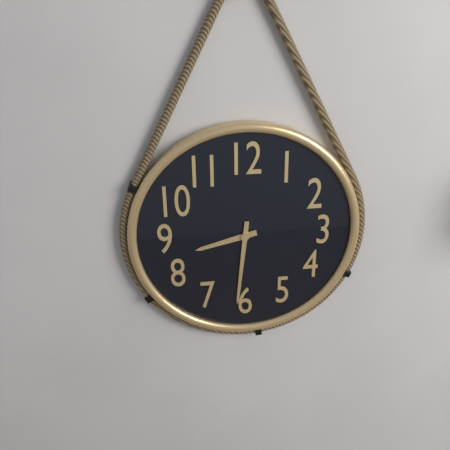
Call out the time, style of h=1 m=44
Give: h=8 m=31
